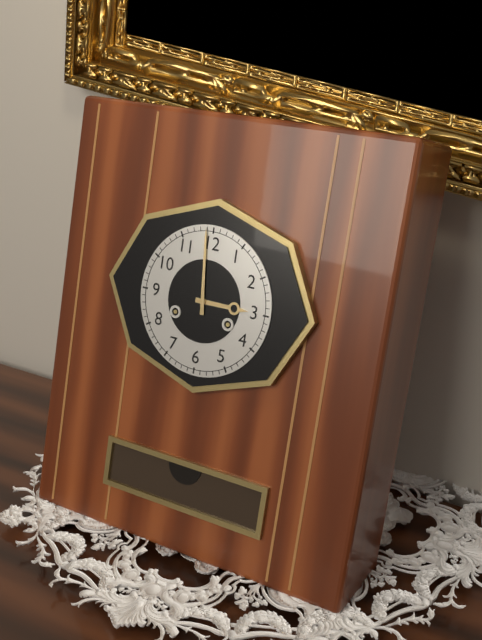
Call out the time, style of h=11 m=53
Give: h=2 m=59
